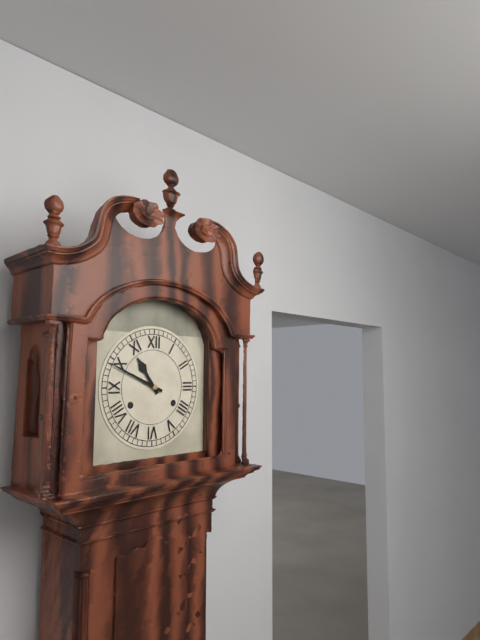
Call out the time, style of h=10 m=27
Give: h=10 m=49
